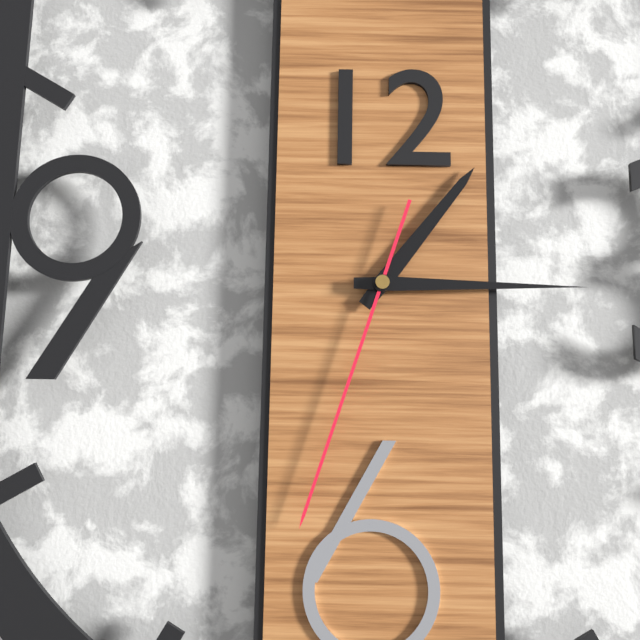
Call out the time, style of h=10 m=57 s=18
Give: h=1 m=15 s=33
